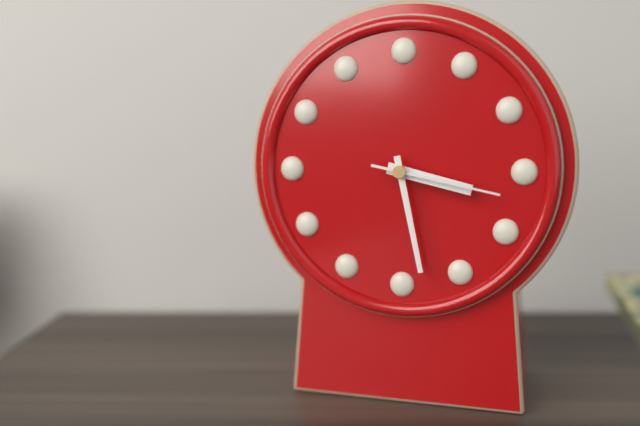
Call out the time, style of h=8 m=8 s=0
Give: h=3 m=28 s=17
